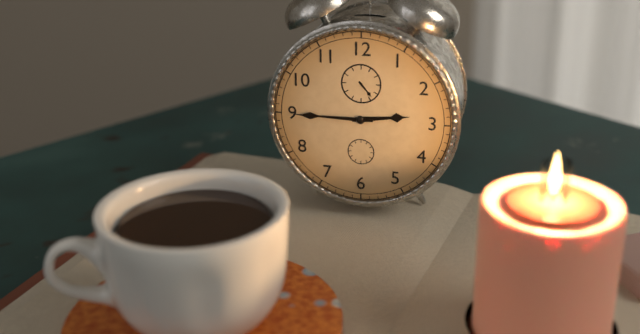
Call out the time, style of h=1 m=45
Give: h=2 m=45
